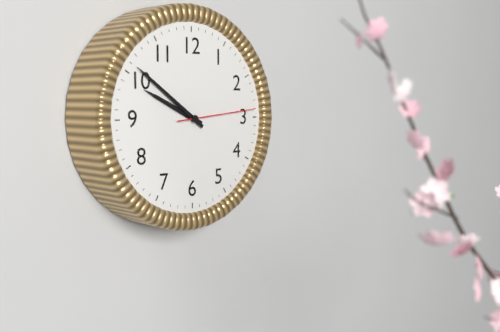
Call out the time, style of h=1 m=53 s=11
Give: h=9 m=51 s=14
